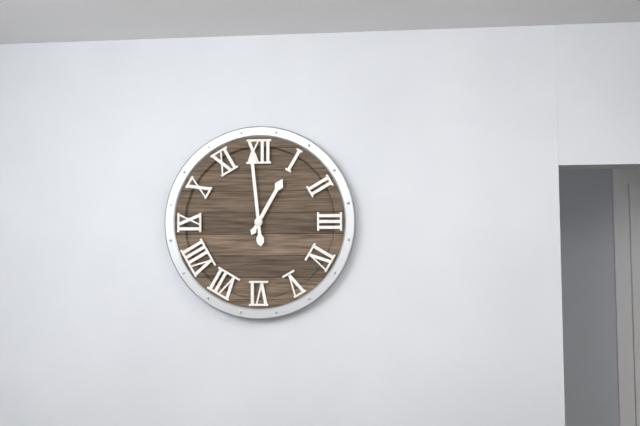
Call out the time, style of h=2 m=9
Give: h=12 m=59
